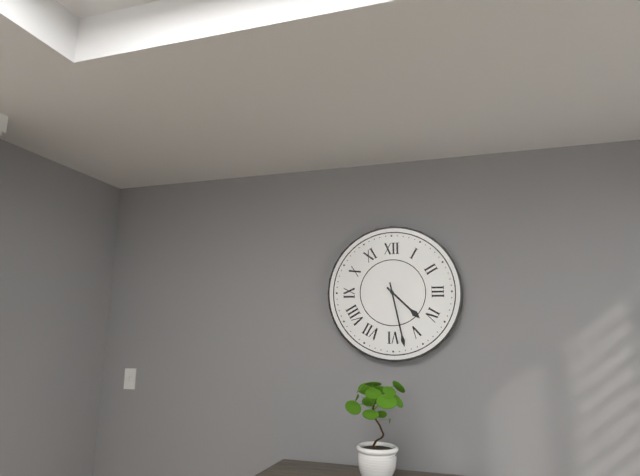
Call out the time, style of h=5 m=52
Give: h=4 m=28
